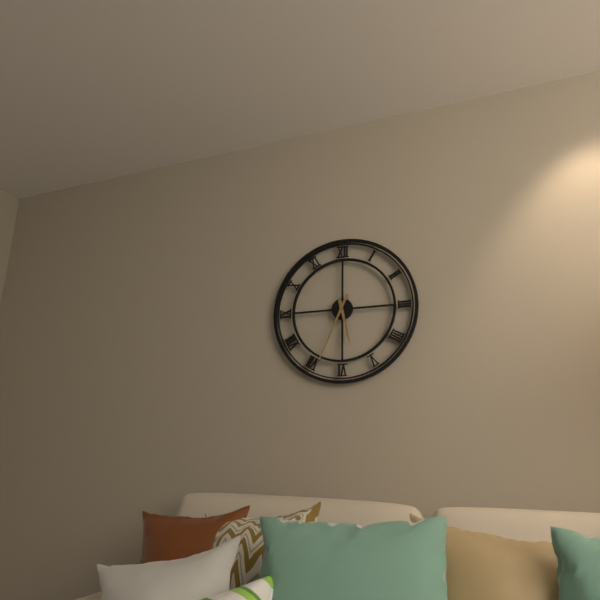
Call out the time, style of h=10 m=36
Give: h=5 m=34
